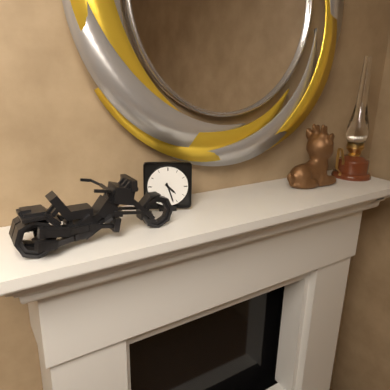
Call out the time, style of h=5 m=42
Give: h=4 m=27
